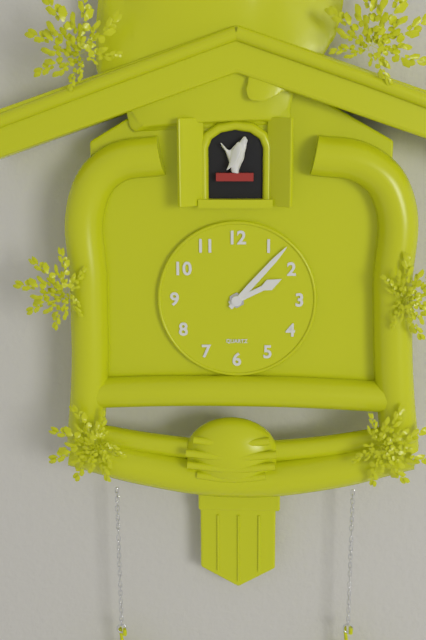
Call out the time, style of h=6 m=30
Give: h=2 m=7
